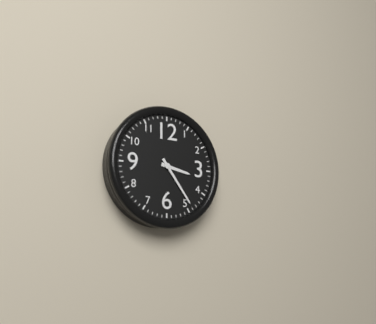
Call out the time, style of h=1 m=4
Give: h=3 m=24
